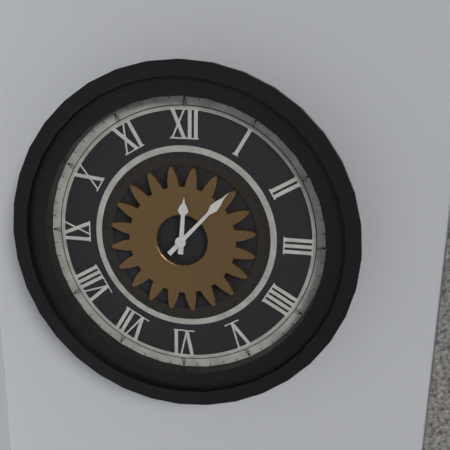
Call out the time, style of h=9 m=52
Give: h=12 m=7
